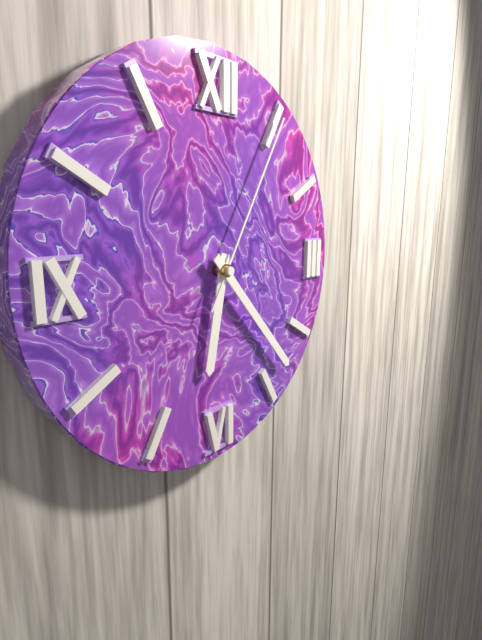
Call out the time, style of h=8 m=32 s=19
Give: h=6 m=23 s=5
